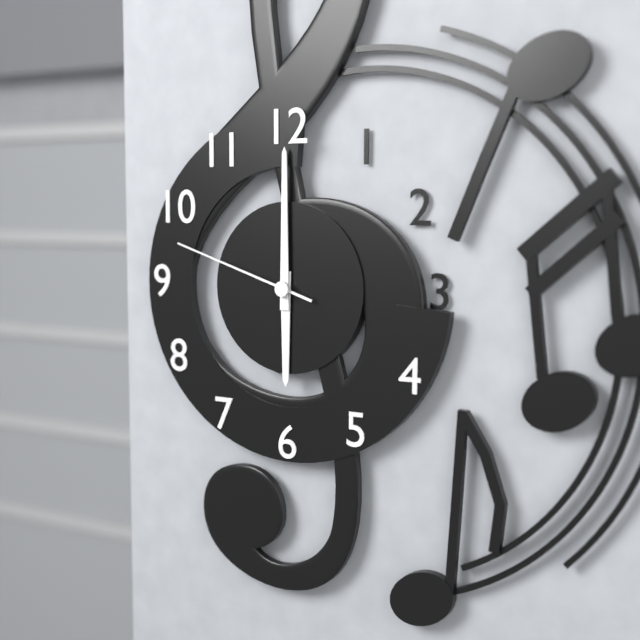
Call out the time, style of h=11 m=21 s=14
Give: h=6 m=0 s=48
